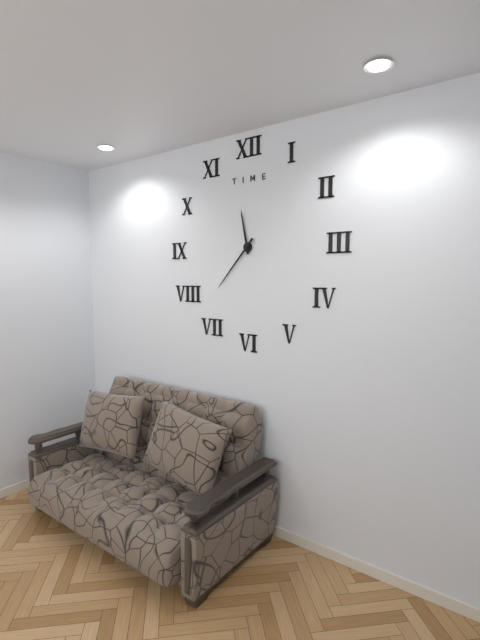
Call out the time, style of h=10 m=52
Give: h=11 m=37
